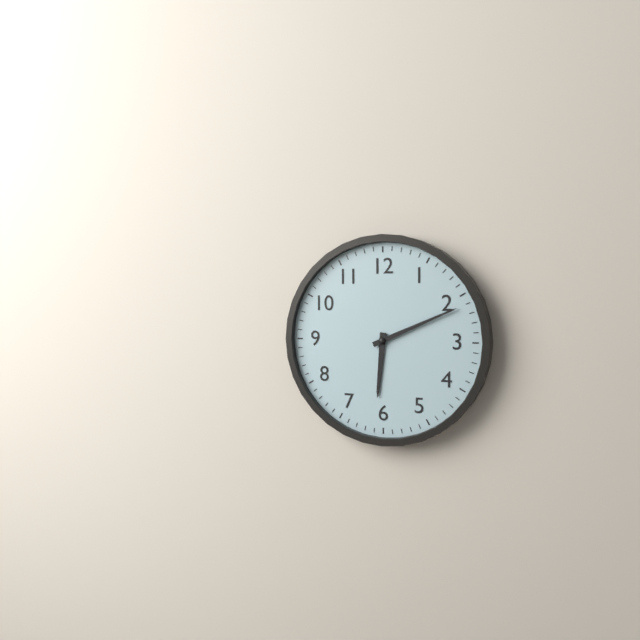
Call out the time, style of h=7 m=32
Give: h=6 m=11
